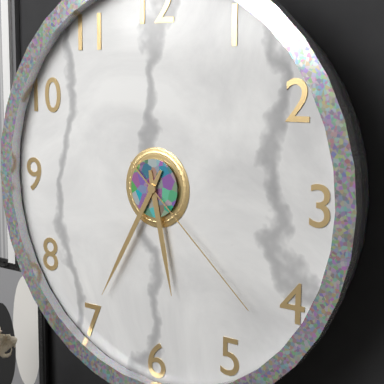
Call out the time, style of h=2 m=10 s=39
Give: h=5 m=35 s=22
